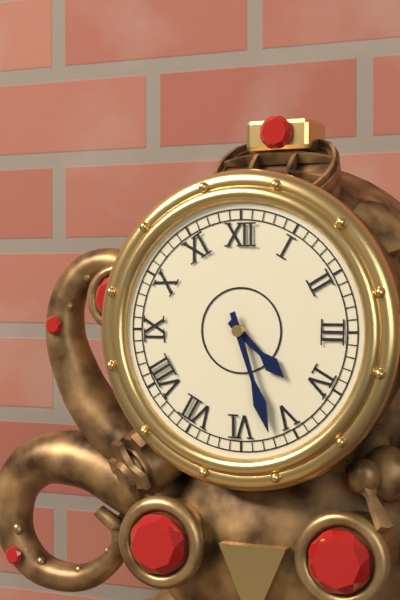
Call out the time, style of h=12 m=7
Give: h=4 m=27
